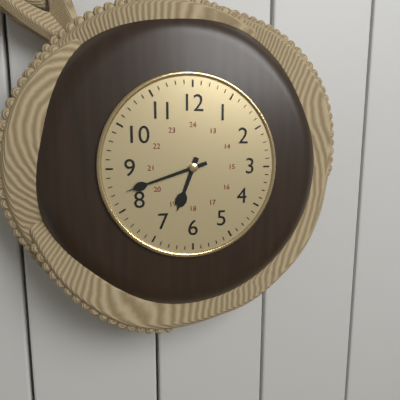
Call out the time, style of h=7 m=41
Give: h=6 m=42
